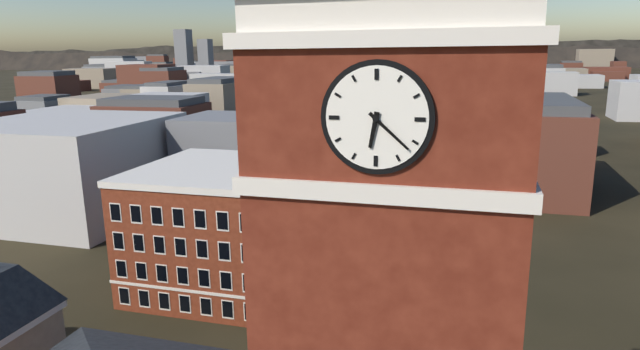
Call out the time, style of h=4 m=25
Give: h=6 m=22
